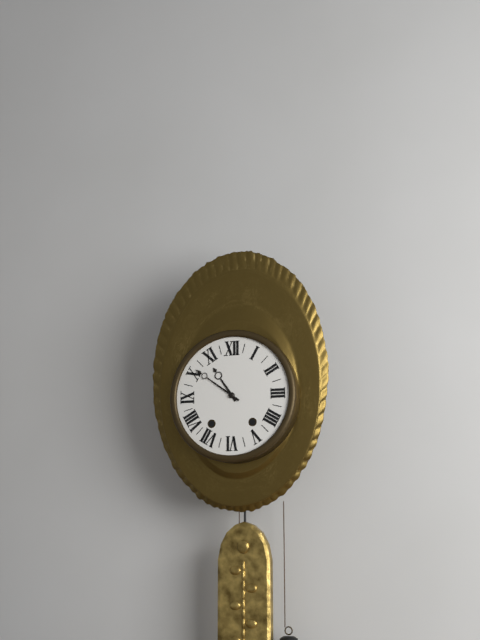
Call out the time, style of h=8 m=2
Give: h=10 m=51
